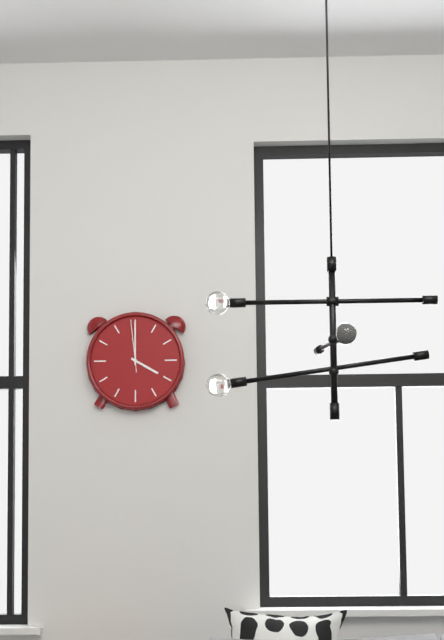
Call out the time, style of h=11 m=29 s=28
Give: h=4 m=0 s=59
